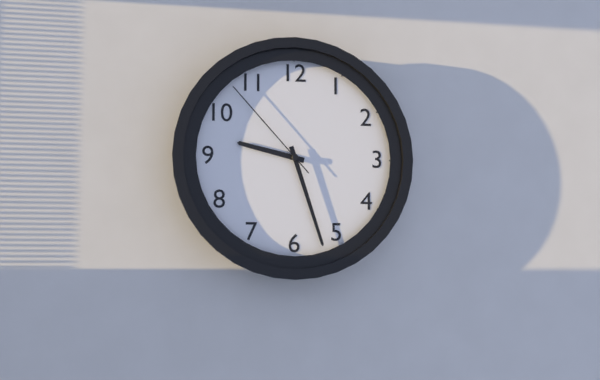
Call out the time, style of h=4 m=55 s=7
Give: h=9 m=27 s=53
